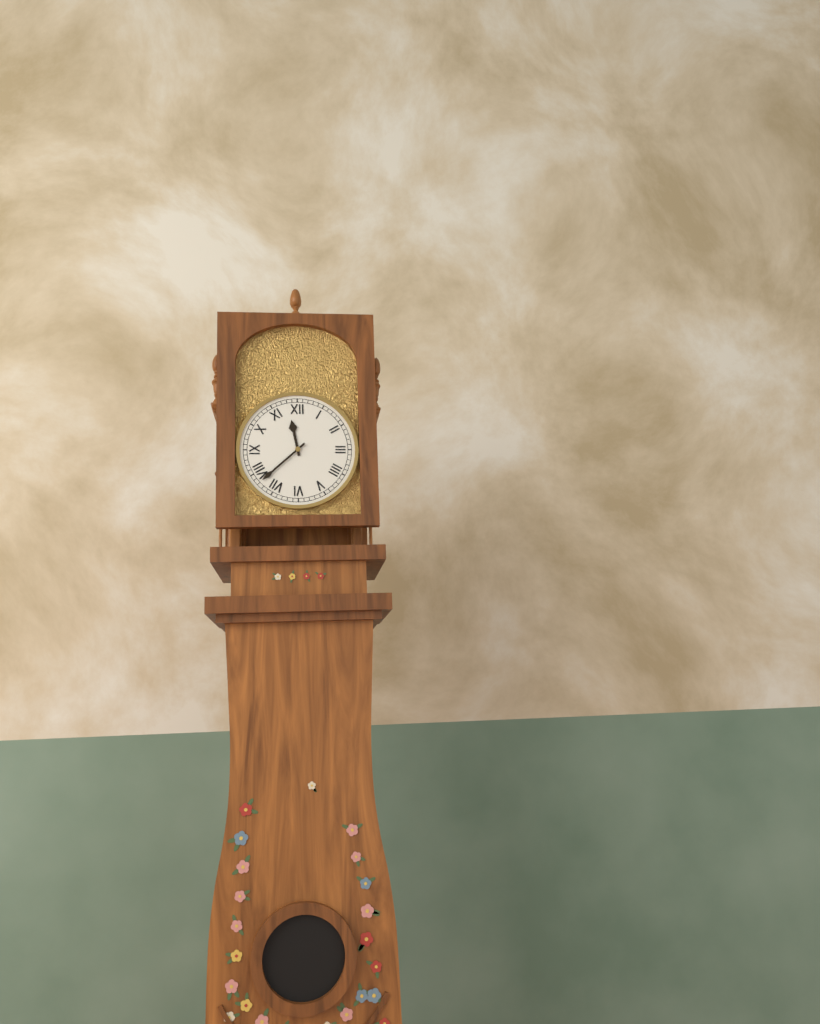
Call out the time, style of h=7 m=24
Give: h=11 m=38
